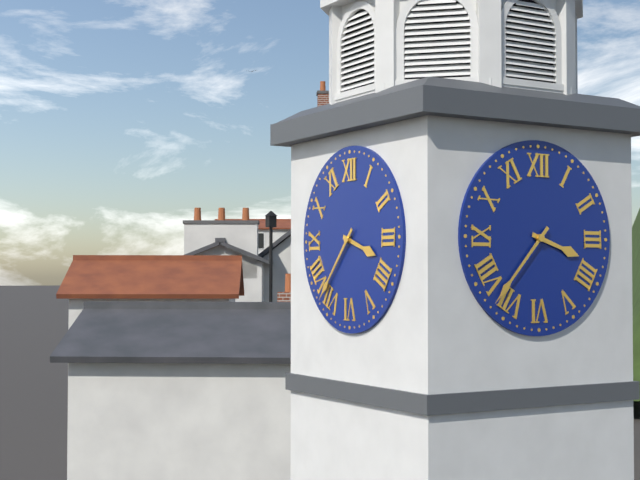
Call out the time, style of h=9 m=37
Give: h=3 m=37
